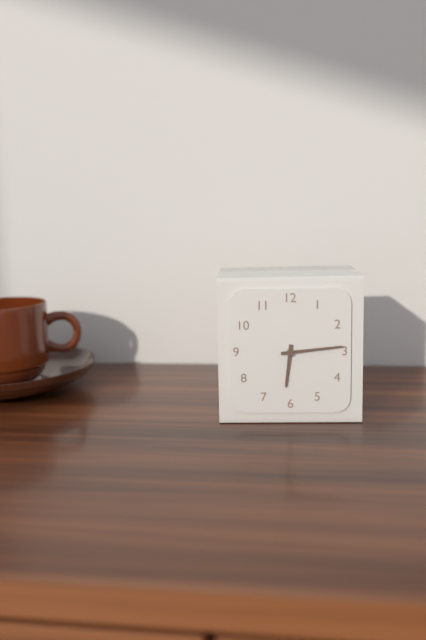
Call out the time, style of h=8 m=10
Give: h=6 m=14
